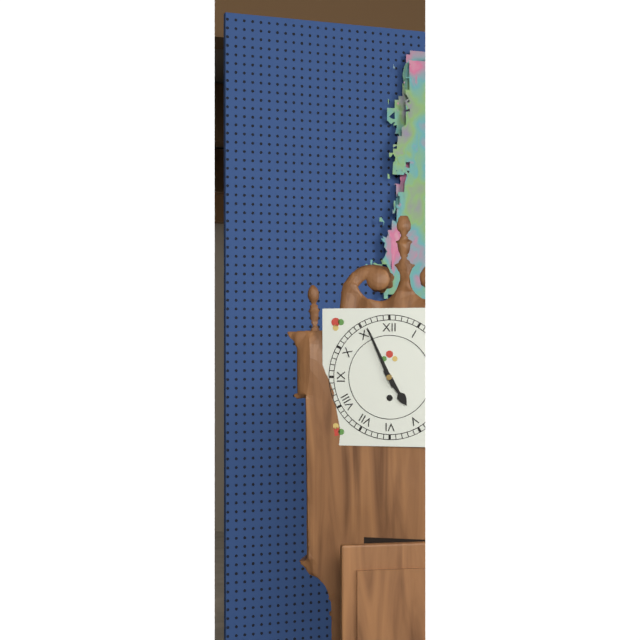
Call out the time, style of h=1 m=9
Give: h=4 m=56
